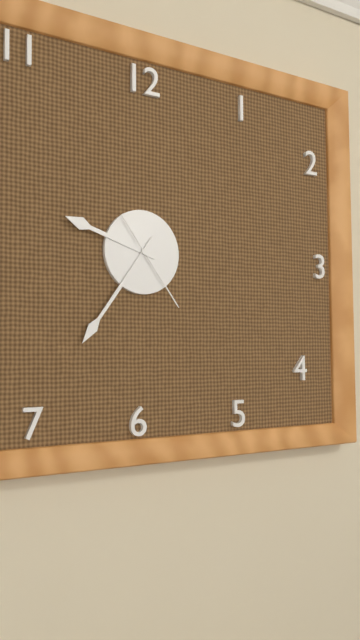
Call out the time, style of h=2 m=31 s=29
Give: h=9 m=36 s=24
